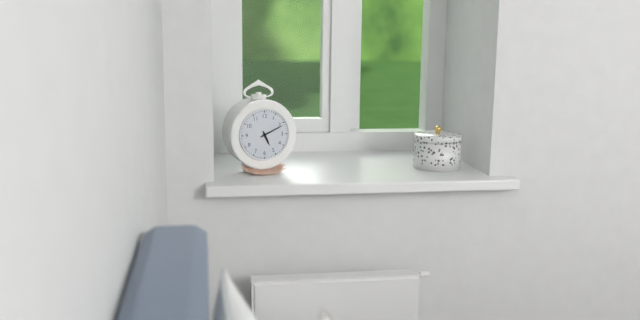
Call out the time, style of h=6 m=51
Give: h=5 m=11
